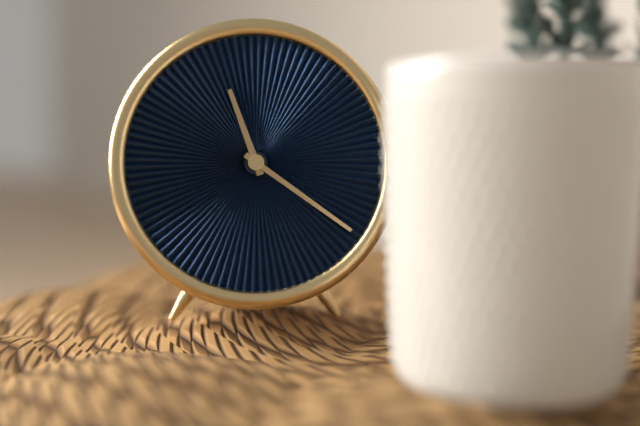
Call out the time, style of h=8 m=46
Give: h=11 m=21
